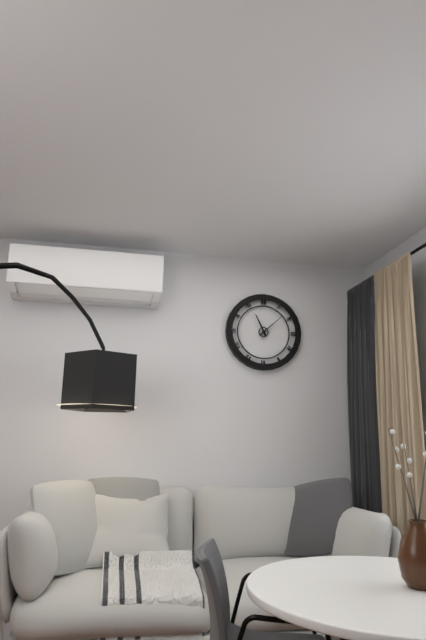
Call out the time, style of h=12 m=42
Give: h=11 m=8
